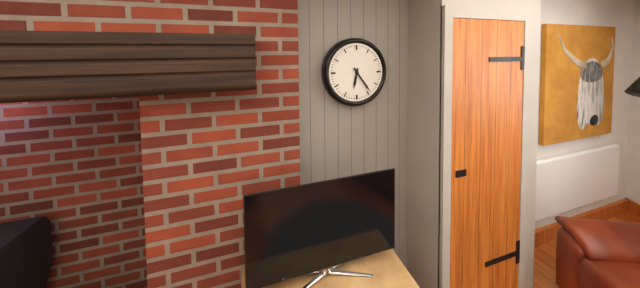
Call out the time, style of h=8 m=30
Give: h=6 m=24
